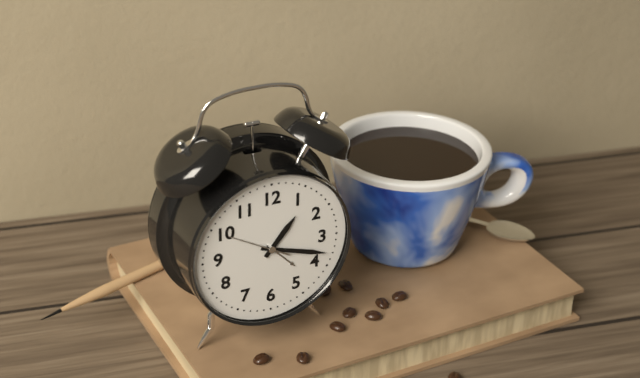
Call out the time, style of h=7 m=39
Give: h=1 m=18
